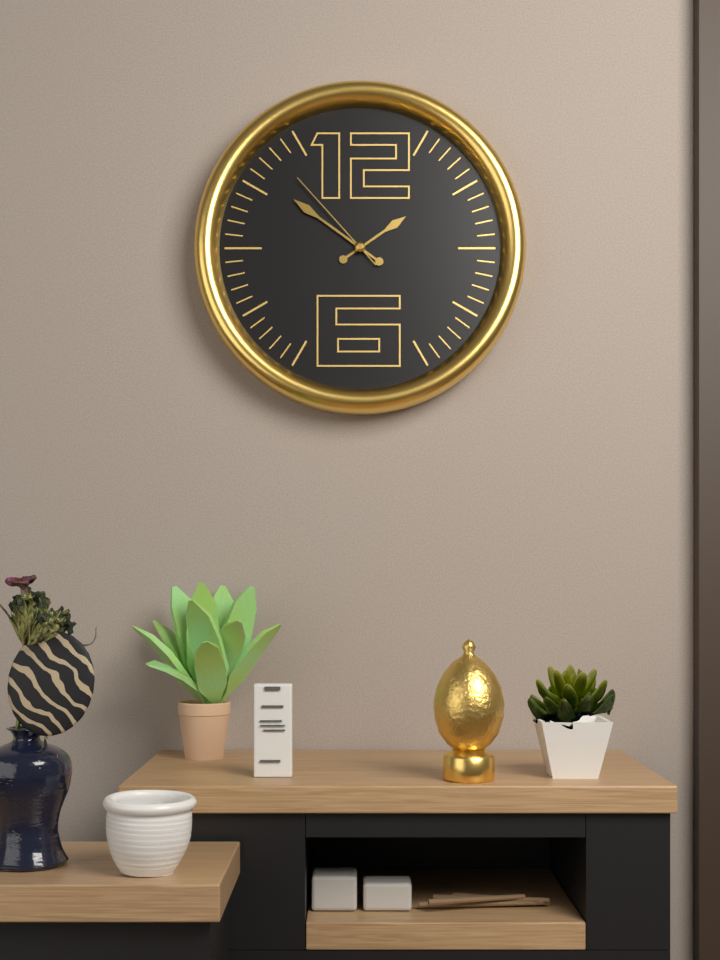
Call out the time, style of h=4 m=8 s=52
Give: h=1 m=51 s=53
